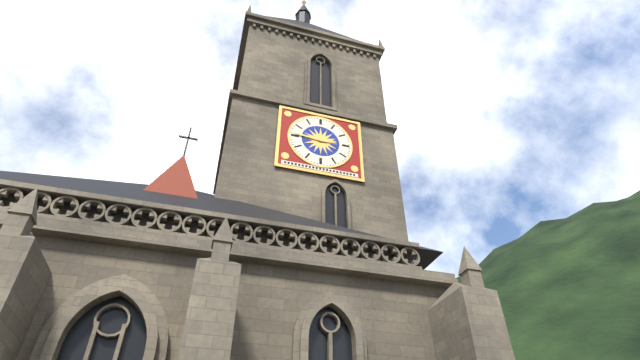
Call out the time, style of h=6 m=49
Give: h=2 m=46
